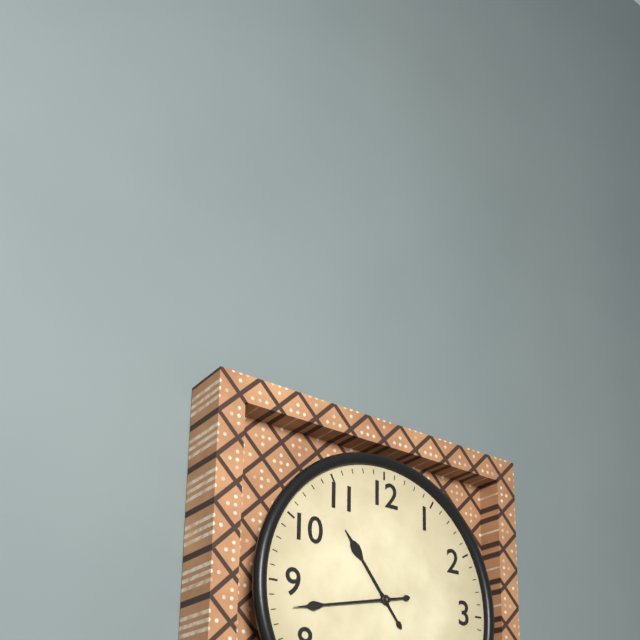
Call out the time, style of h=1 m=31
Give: h=10 m=43
